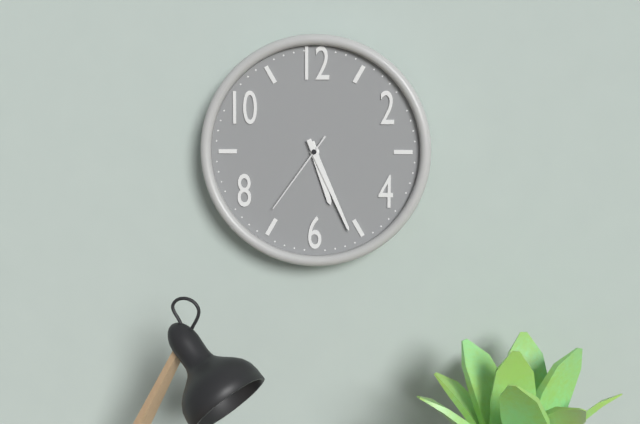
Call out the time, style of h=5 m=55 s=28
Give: h=5 m=26 s=36
